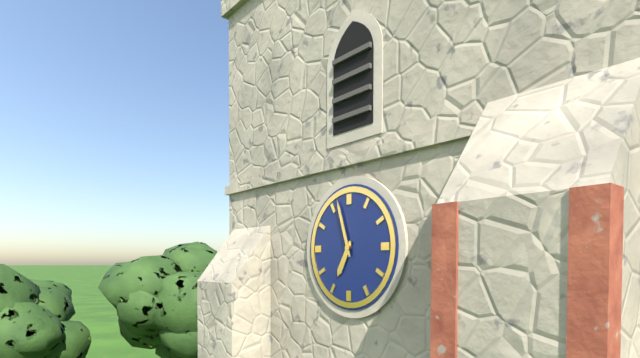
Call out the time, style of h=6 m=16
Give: h=6 m=57
